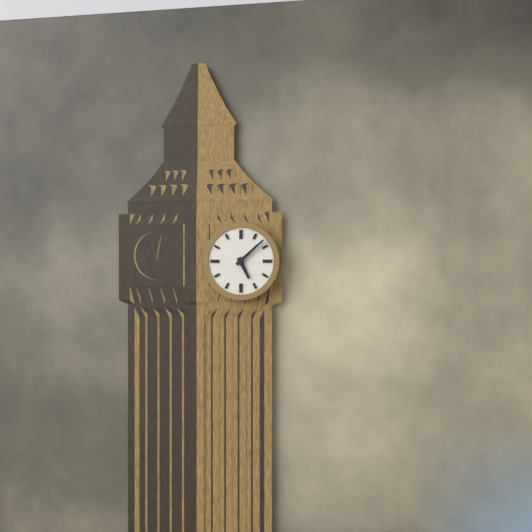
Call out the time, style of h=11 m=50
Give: h=5 m=8
